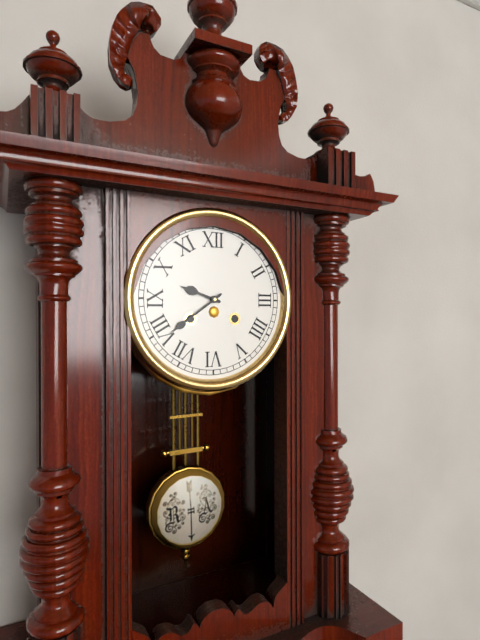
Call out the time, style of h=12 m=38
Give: h=9 m=39
